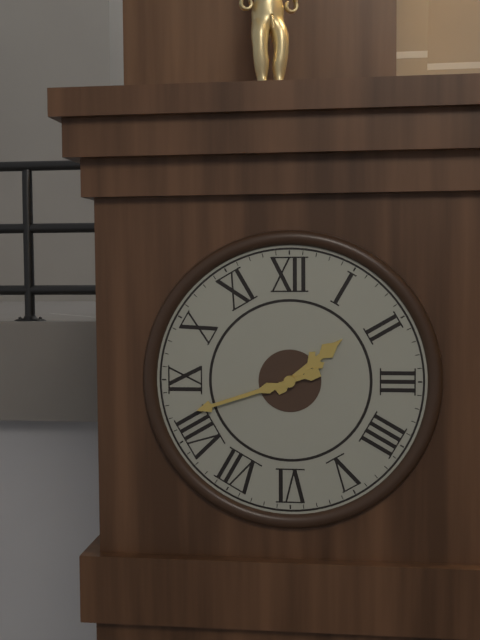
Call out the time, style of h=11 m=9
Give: h=1 m=42
